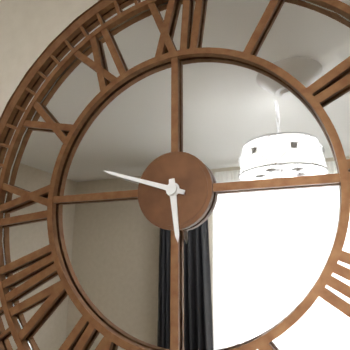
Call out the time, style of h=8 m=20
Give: h=5 m=48
